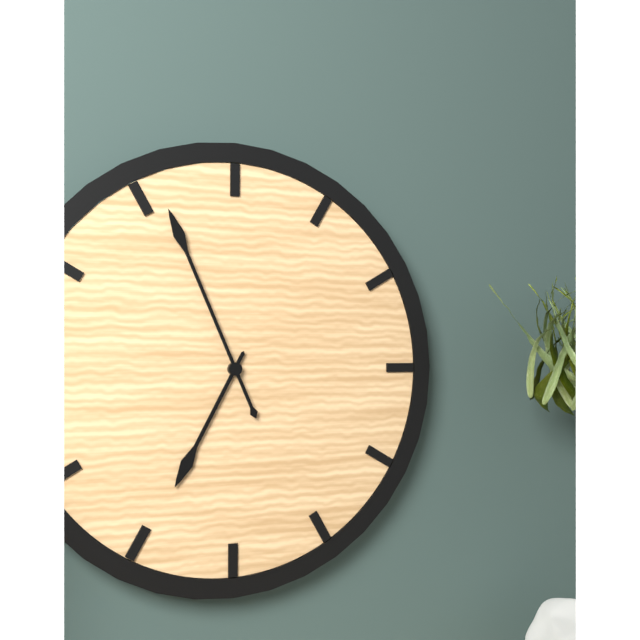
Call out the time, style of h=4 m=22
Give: h=6 m=56
